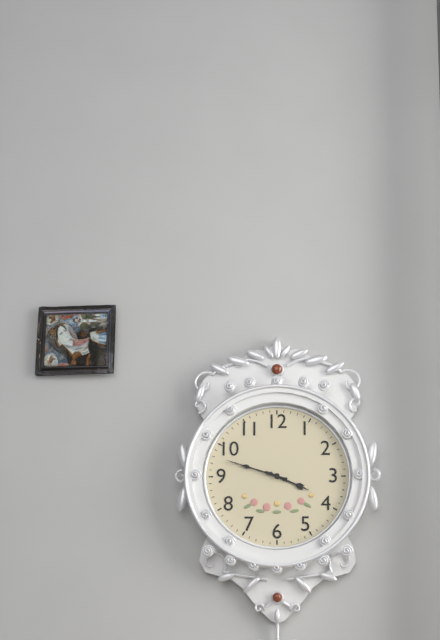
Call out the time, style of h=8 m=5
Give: h=3 m=48
